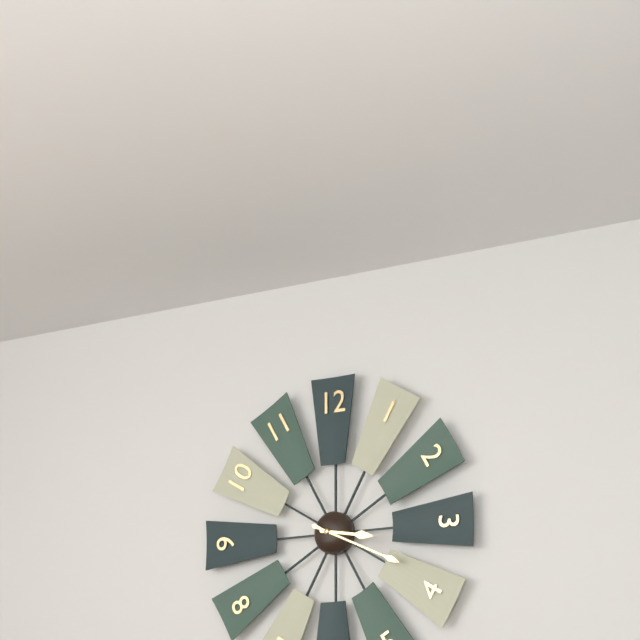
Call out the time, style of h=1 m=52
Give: h=3 m=19
